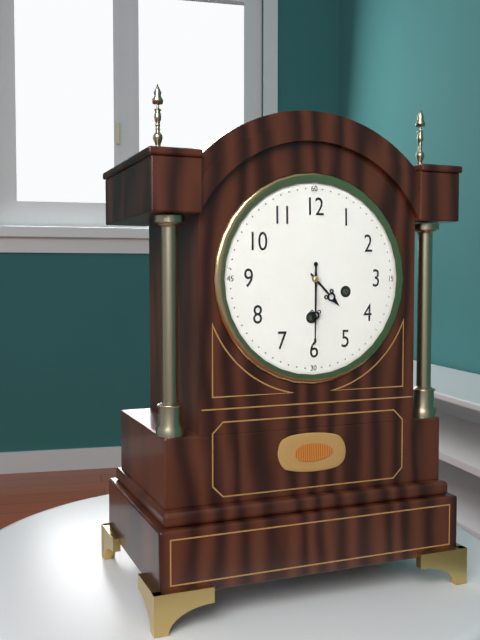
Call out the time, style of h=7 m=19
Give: h=4 m=30
